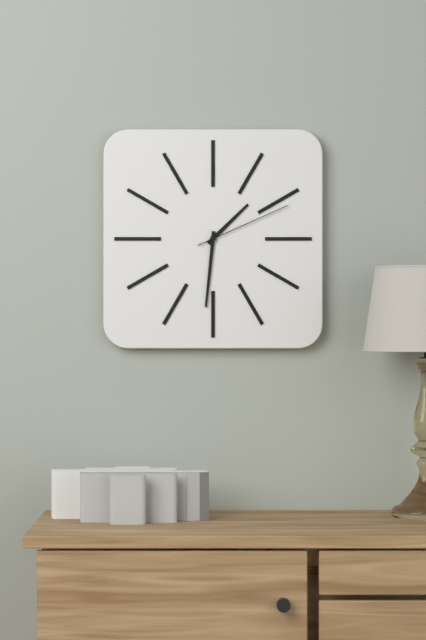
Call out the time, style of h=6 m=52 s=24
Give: h=1 m=31 s=11
